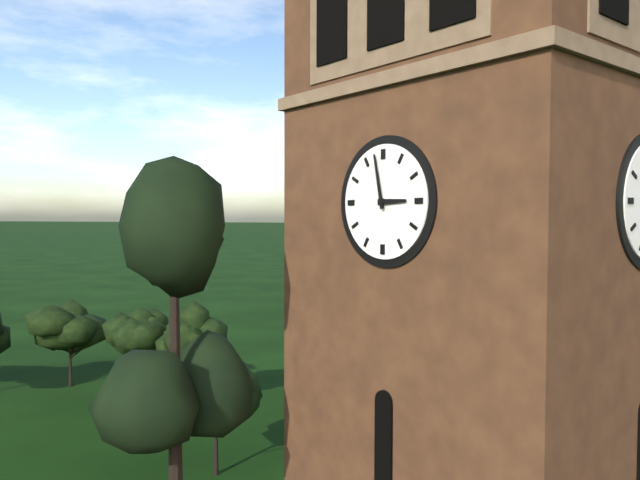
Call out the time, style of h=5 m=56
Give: h=2 m=58
